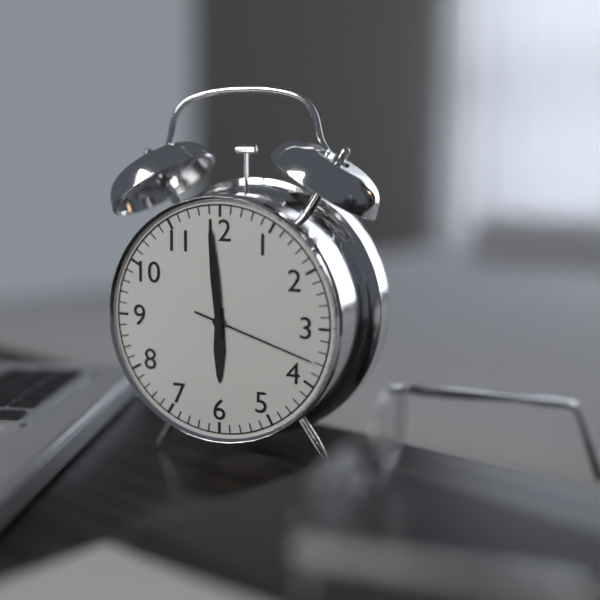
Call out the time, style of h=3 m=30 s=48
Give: h=5 m=59 s=18
